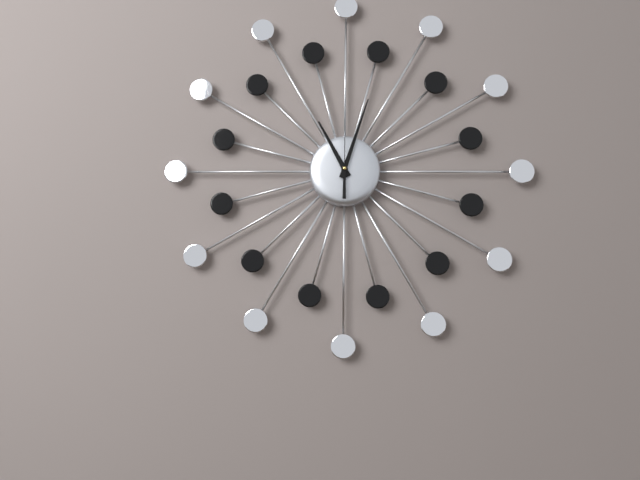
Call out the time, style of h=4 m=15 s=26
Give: h=11 m=3 s=0
